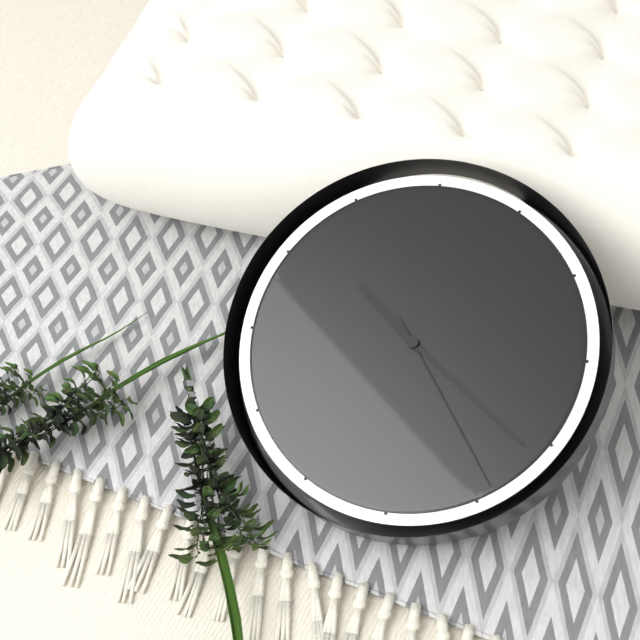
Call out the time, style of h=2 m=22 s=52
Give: h=10 m=21 s=24
